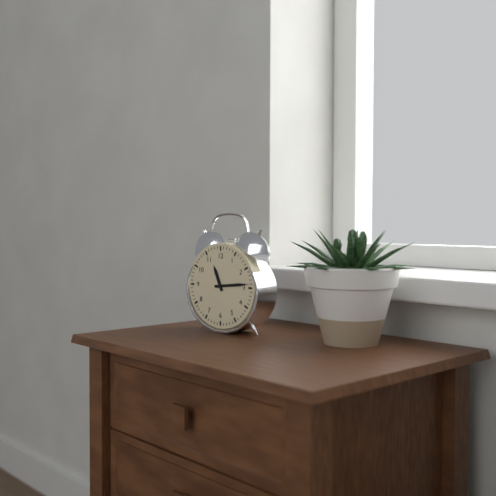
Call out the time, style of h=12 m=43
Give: h=11 m=14
